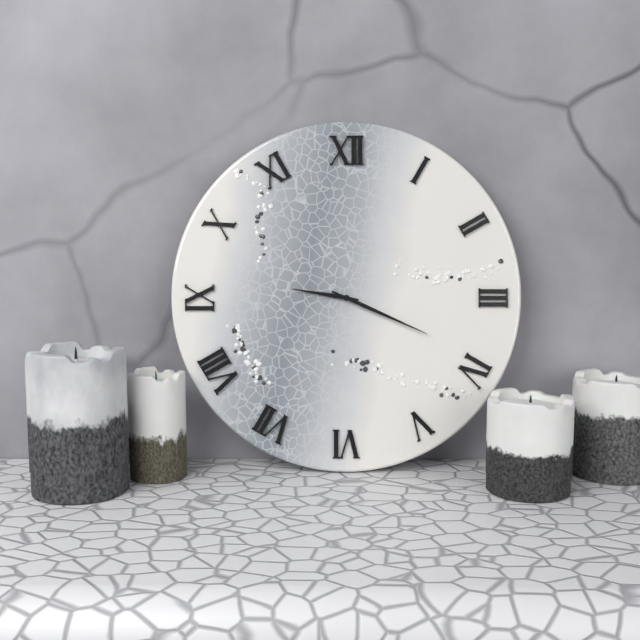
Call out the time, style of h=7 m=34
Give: h=9 m=19
